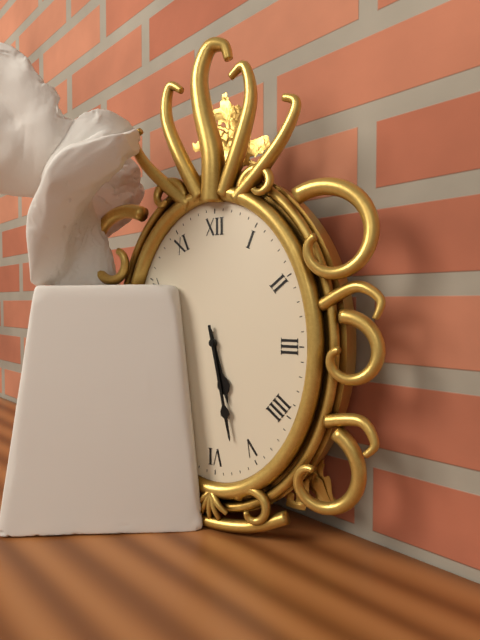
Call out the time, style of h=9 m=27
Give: h=5 m=28
